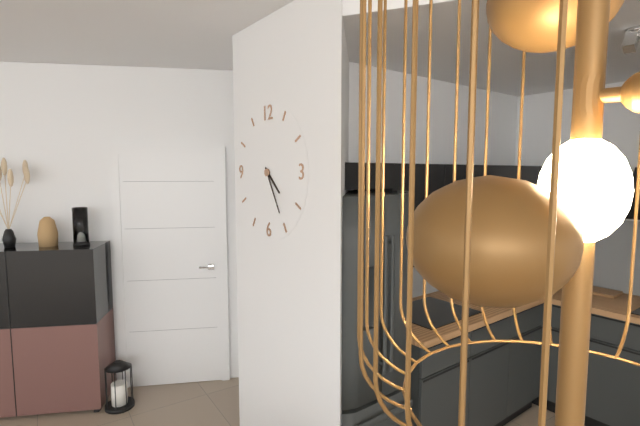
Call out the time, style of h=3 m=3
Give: h=4 m=25
